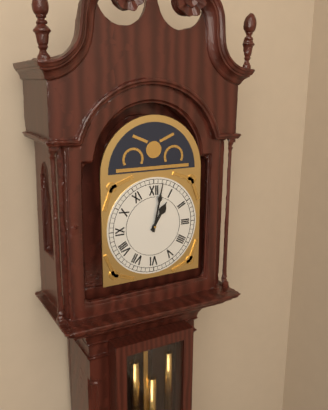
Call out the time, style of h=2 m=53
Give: h=1 m=2
